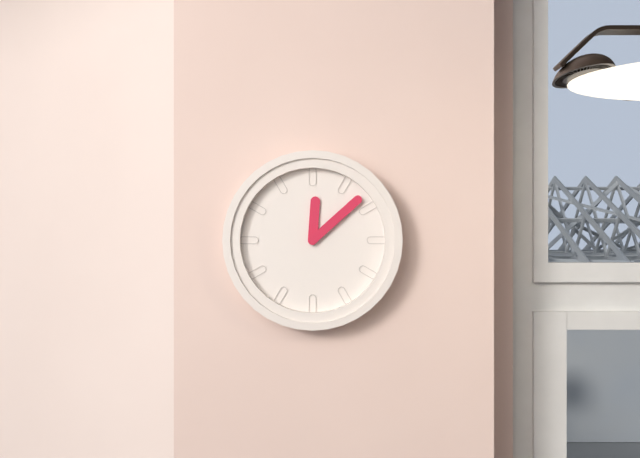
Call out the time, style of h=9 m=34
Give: h=12 m=8
